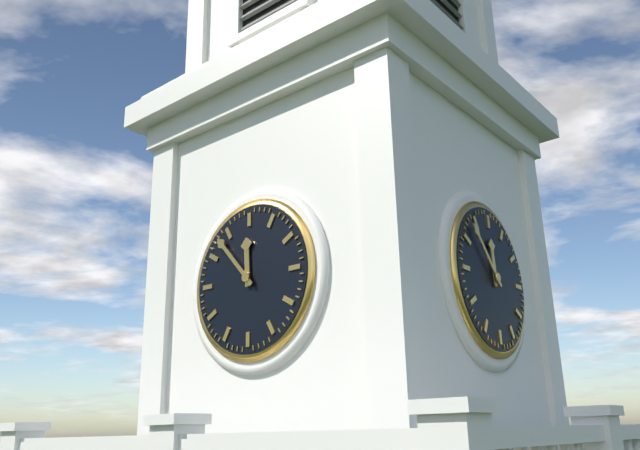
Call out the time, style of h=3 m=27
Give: h=11 m=53
